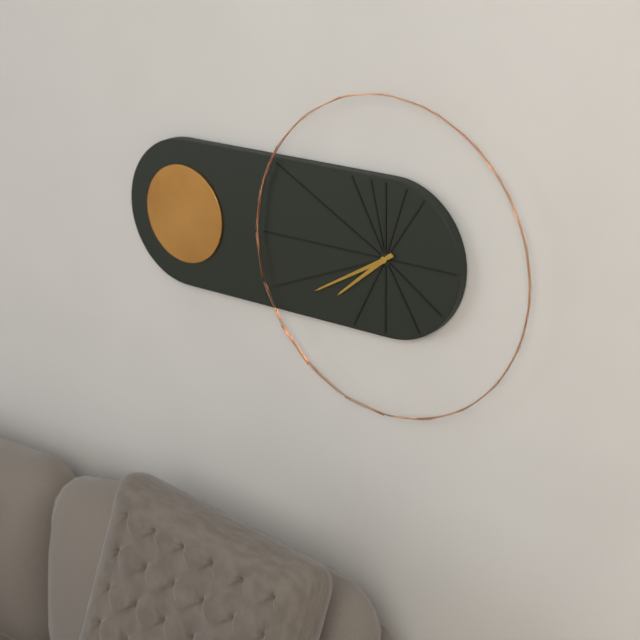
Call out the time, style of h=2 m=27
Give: h=7 m=40
